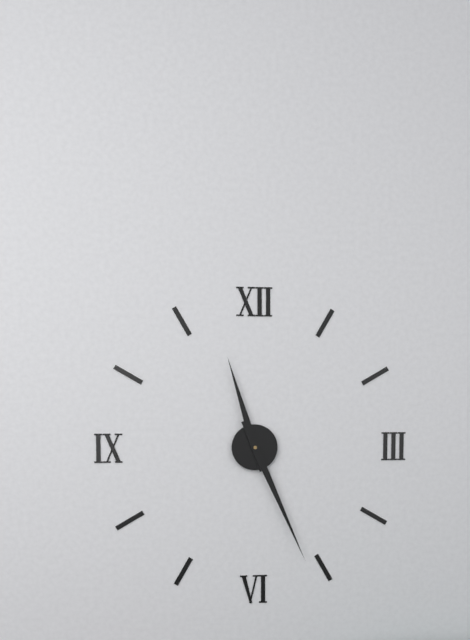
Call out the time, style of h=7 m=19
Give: h=11 m=26
